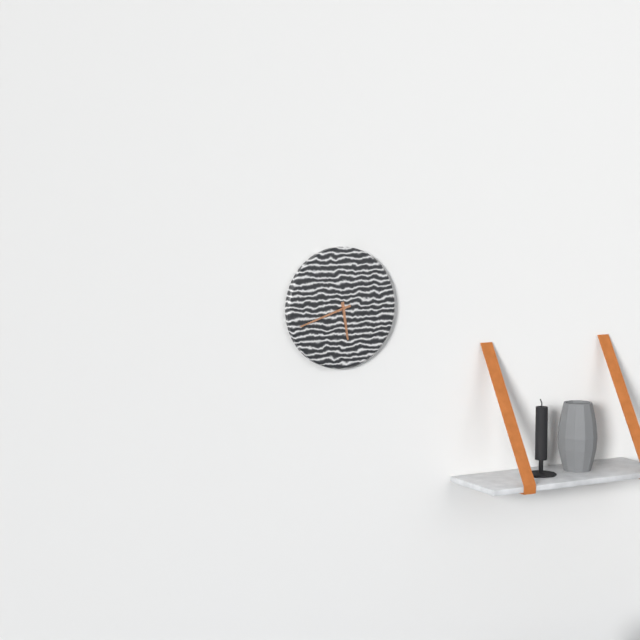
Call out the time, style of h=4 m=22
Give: h=5 m=42
